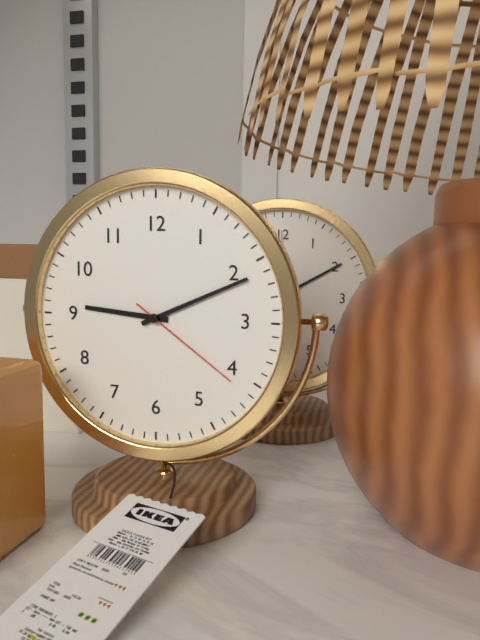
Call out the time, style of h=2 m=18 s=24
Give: h=9 m=11 s=21
